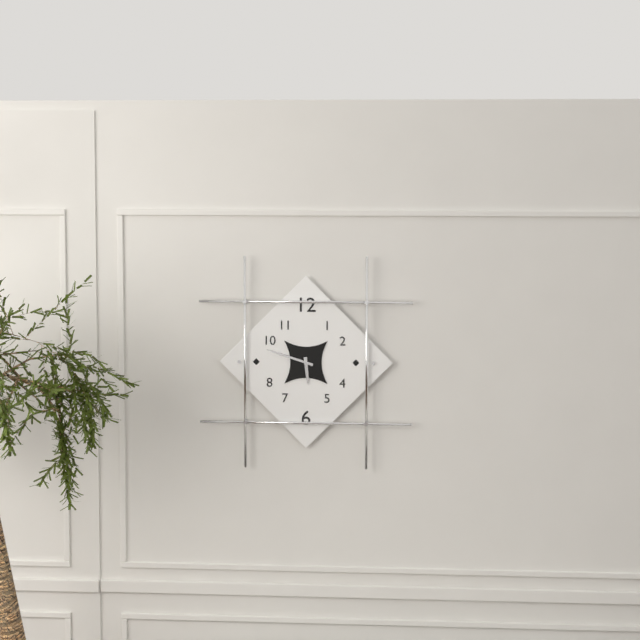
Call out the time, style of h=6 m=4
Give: h=5 m=48
